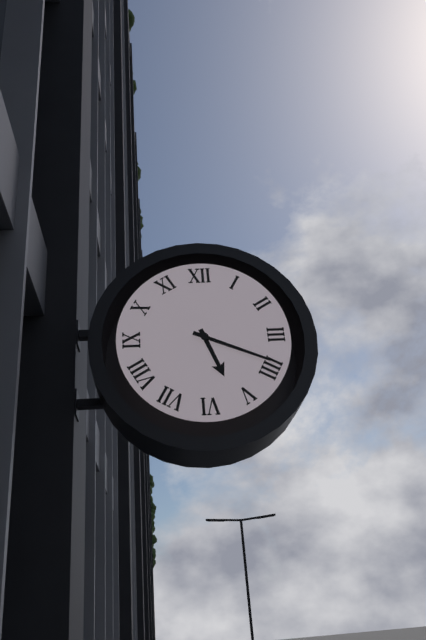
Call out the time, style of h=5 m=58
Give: h=5 m=19
